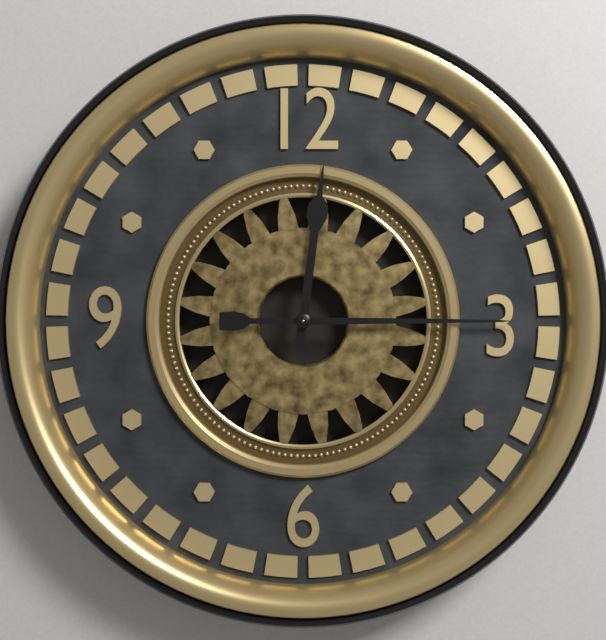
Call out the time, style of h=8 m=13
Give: h=12 m=15
